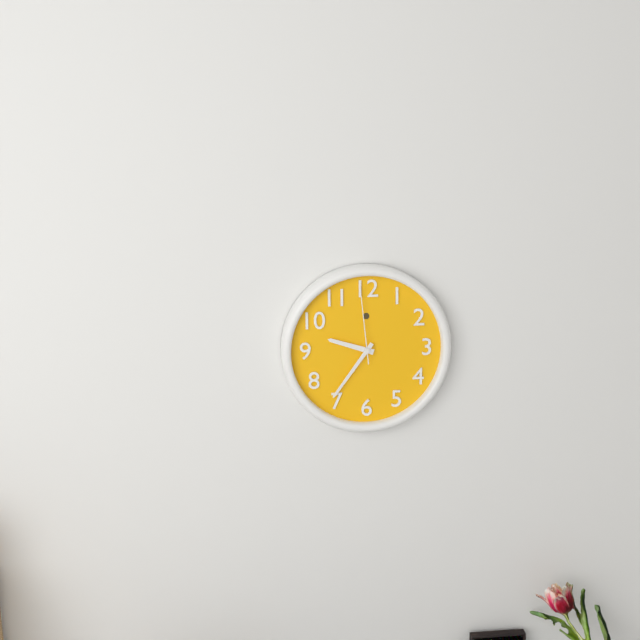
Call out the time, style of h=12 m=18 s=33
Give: h=9 m=36 s=59
